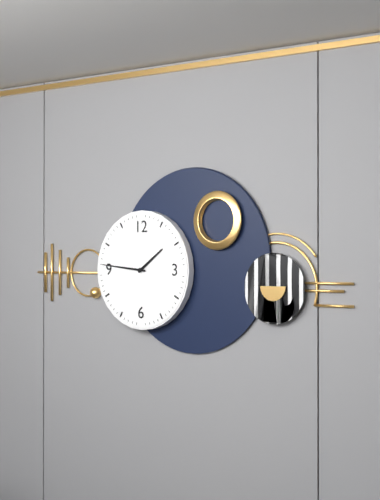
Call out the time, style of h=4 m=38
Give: h=1 m=46
